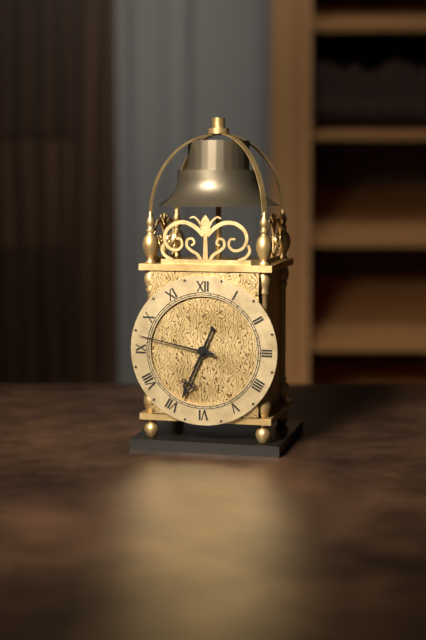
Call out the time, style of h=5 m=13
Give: h=6 m=47
